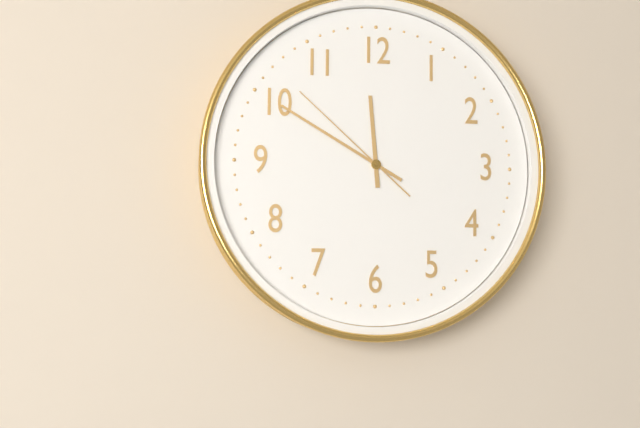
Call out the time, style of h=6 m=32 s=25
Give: h=11 m=50 s=52
